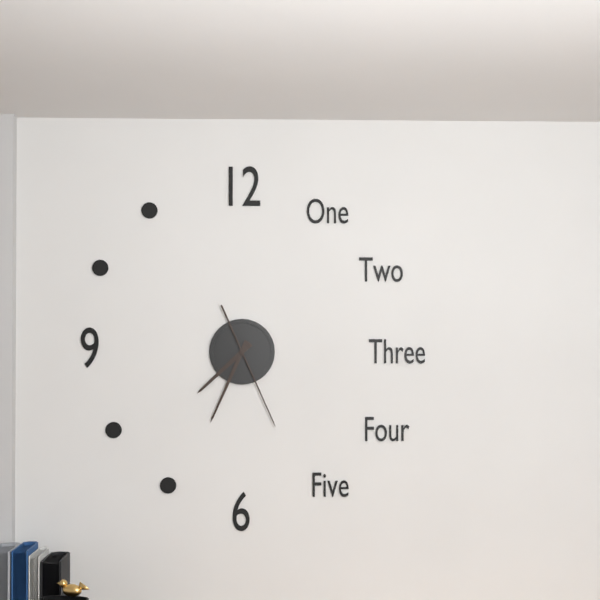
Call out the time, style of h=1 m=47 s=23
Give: h=7 m=34 s=26
